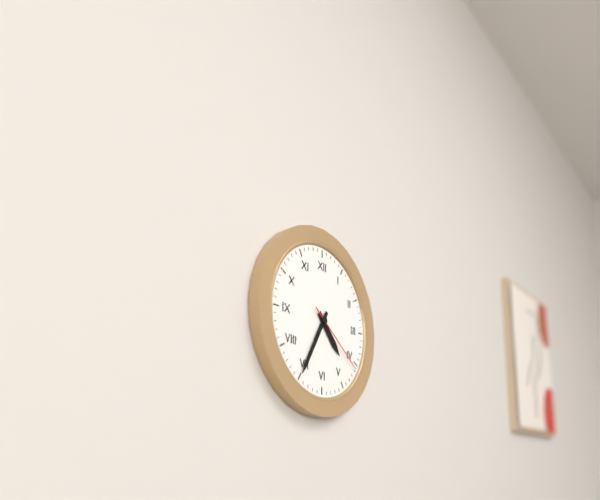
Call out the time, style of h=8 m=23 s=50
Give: h=4 m=35 s=21
